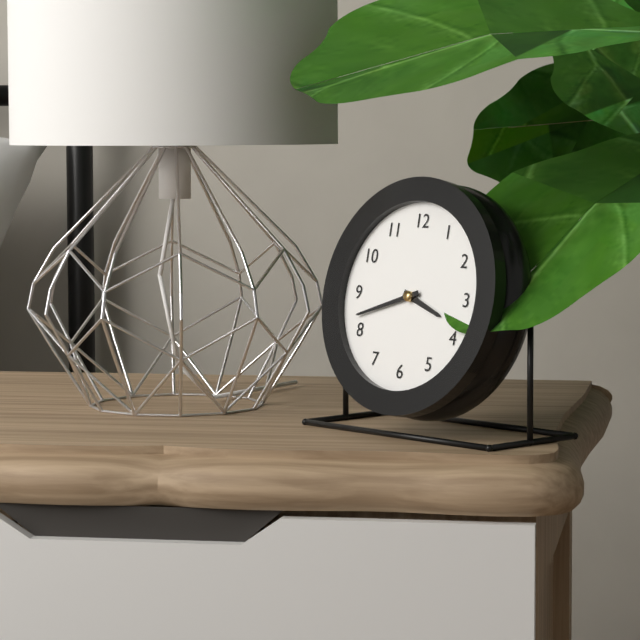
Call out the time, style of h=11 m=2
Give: h=3 m=42
